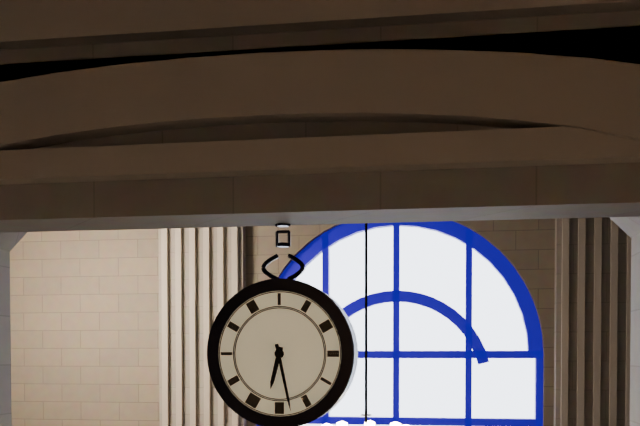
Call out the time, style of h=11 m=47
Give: h=6 m=28
